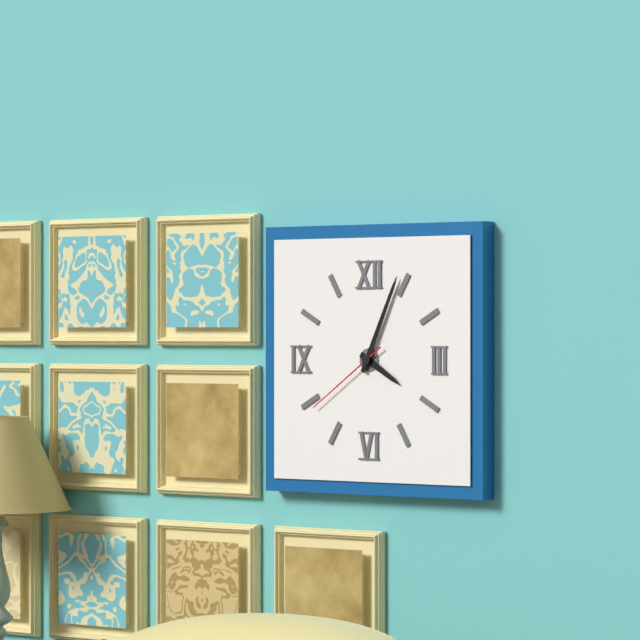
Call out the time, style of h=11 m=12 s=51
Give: h=4 m=4 s=39
